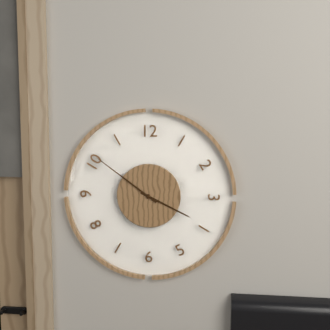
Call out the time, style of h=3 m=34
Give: h=3 m=51
